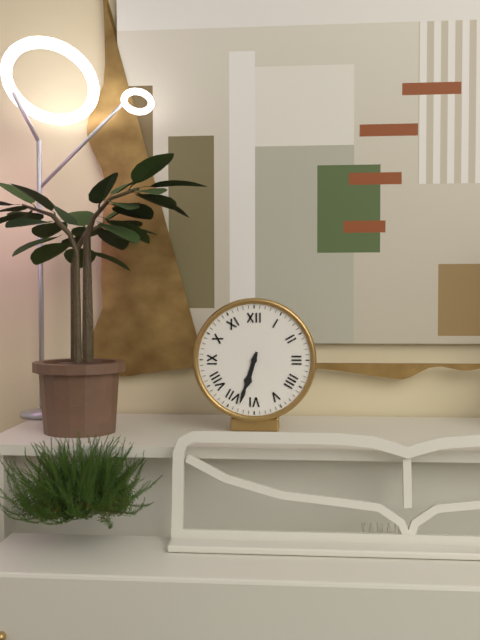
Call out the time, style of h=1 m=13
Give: h=6 m=33
